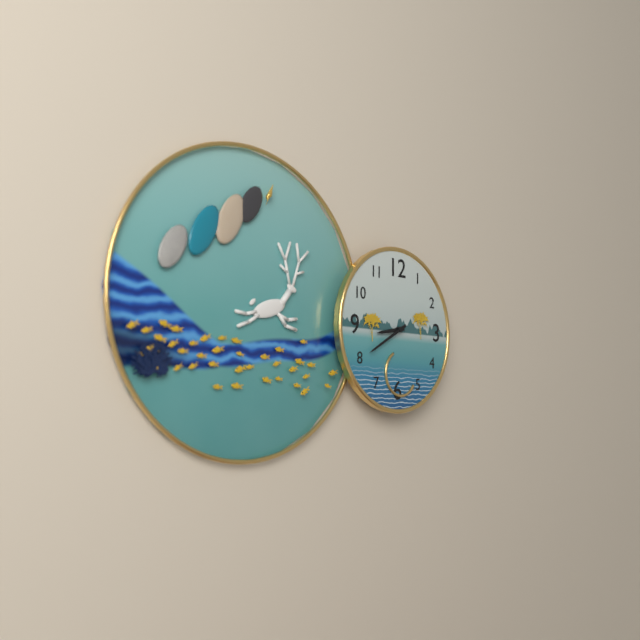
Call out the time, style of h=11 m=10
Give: h=8 m=40
